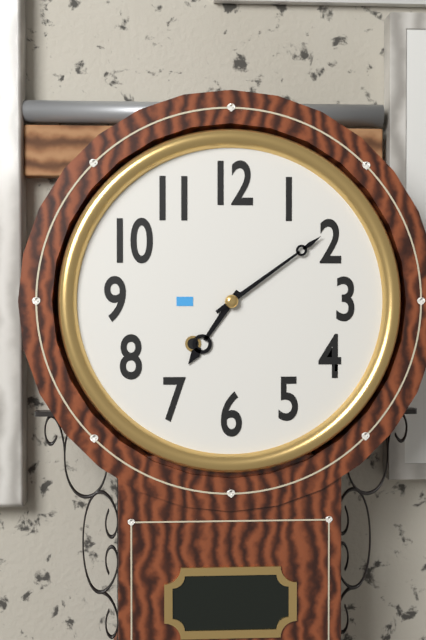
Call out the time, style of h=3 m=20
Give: h=7 m=9
